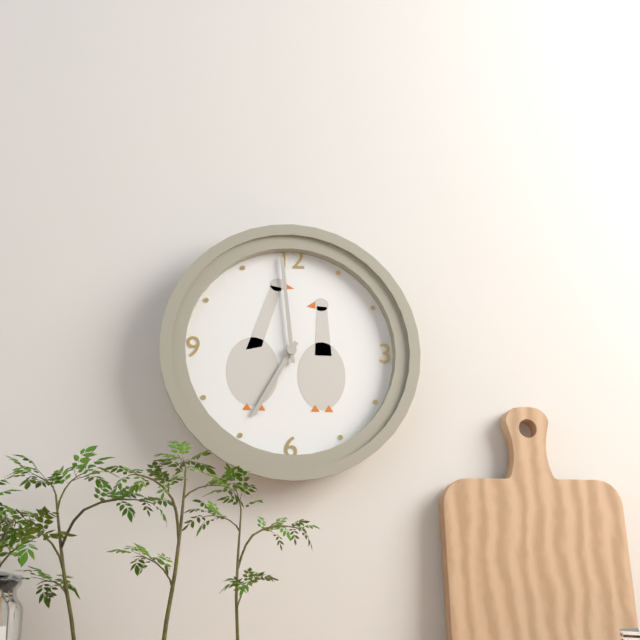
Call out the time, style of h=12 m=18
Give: h=6 m=59
